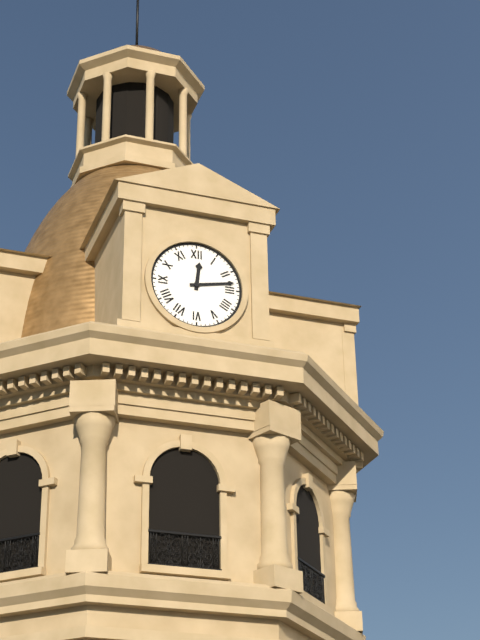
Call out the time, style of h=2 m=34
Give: h=12 m=13
